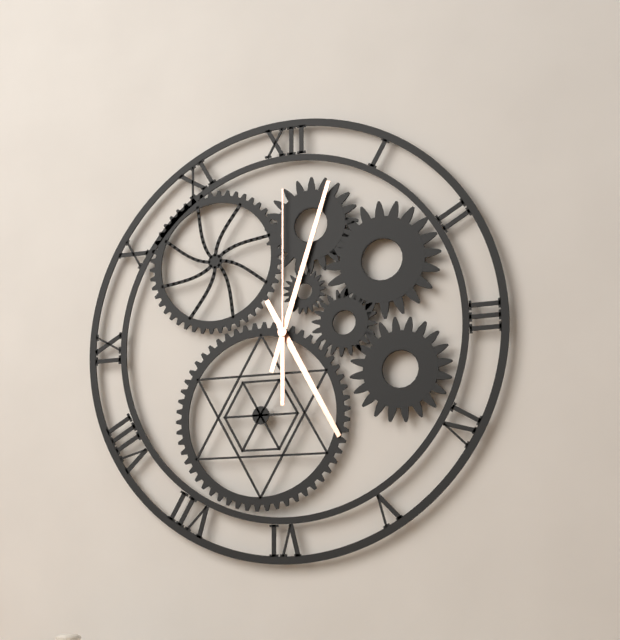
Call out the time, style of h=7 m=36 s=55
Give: h=5 m=3 s=0
